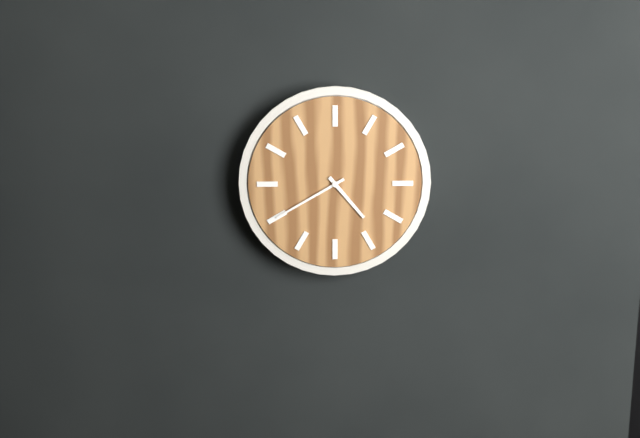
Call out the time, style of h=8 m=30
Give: h=4 m=40
